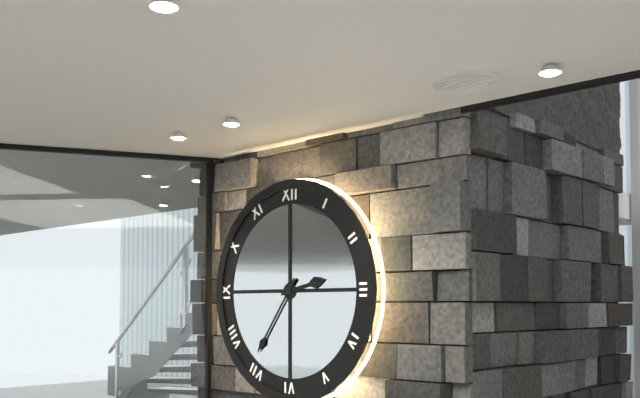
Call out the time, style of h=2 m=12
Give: h=2 m=36
